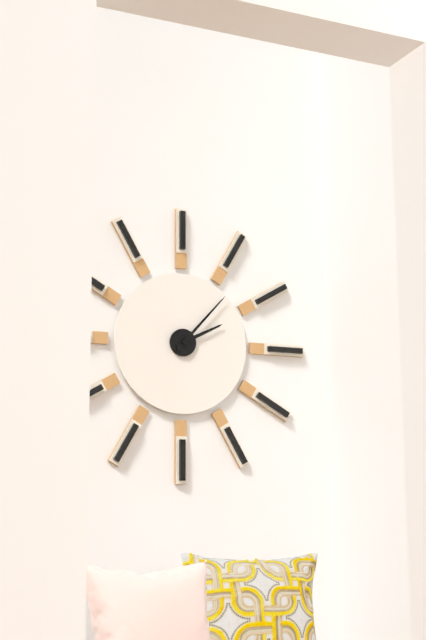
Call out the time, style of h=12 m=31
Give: h=2 m=7
